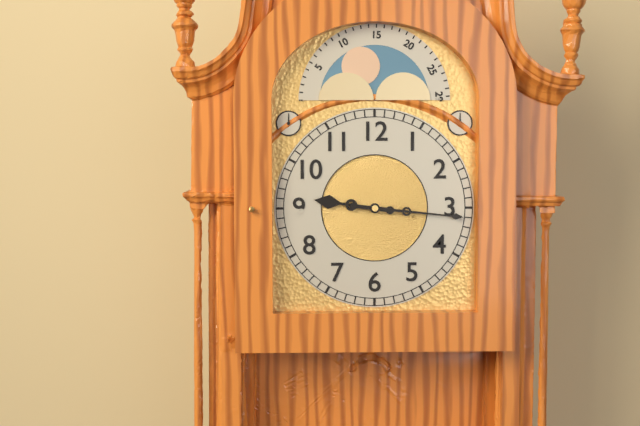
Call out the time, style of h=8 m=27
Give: h=9 m=16
